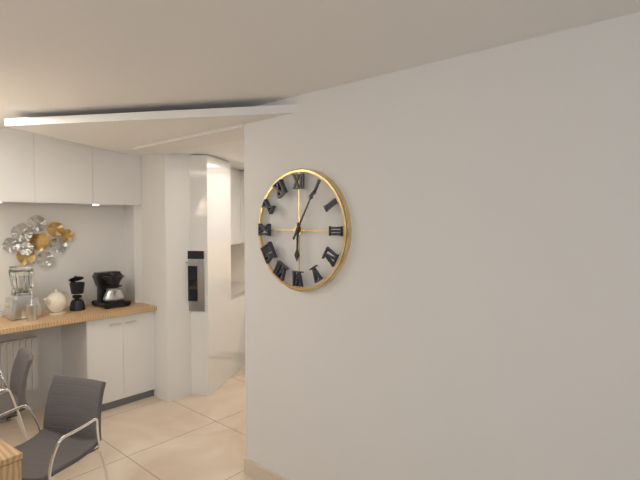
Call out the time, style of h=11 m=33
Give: h=6 m=5
